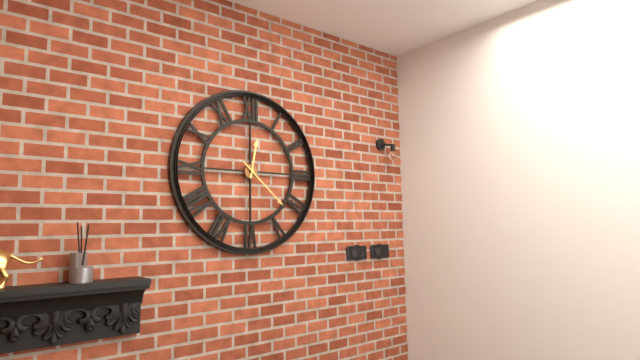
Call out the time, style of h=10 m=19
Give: h=12 m=22
